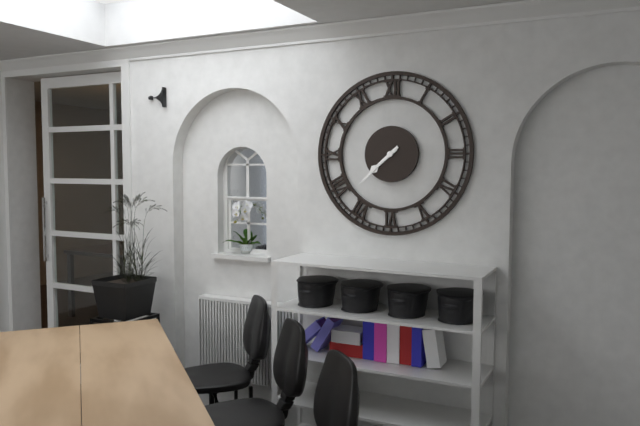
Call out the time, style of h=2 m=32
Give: h=7 m=38
